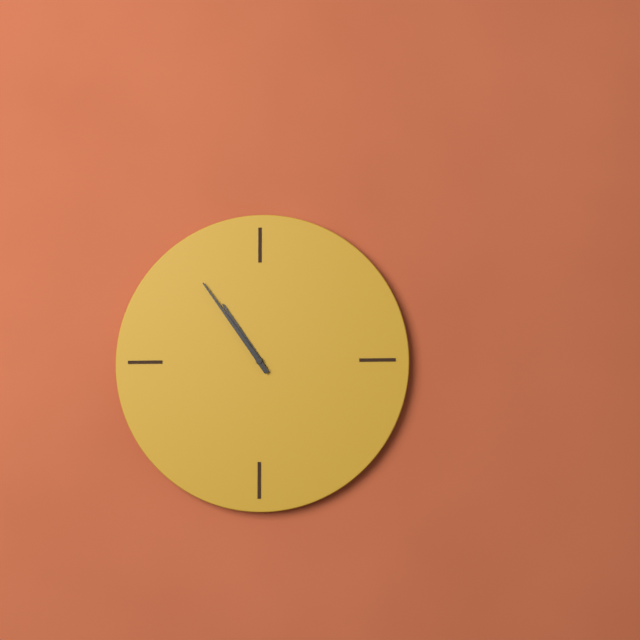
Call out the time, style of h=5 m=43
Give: h=10 m=54
